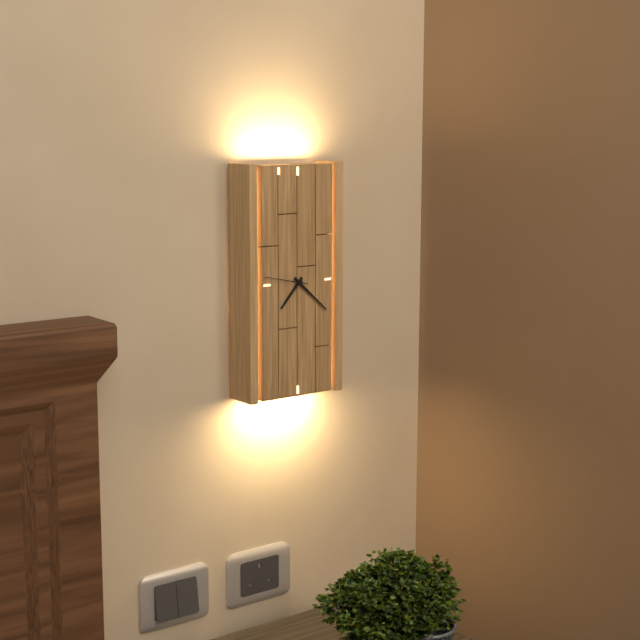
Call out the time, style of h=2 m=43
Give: h=7 m=22
